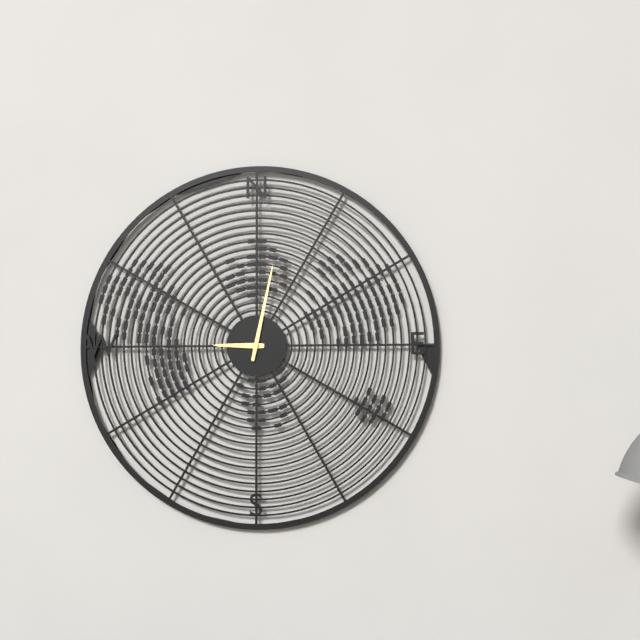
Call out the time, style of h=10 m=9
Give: h=9 m=2
